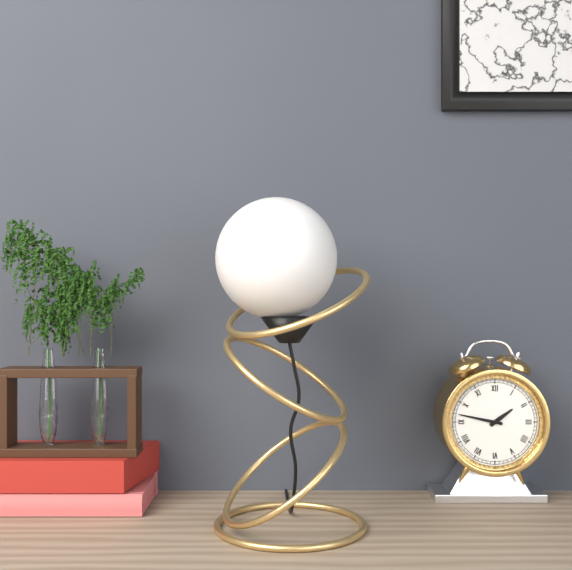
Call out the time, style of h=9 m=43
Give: h=1 m=47
